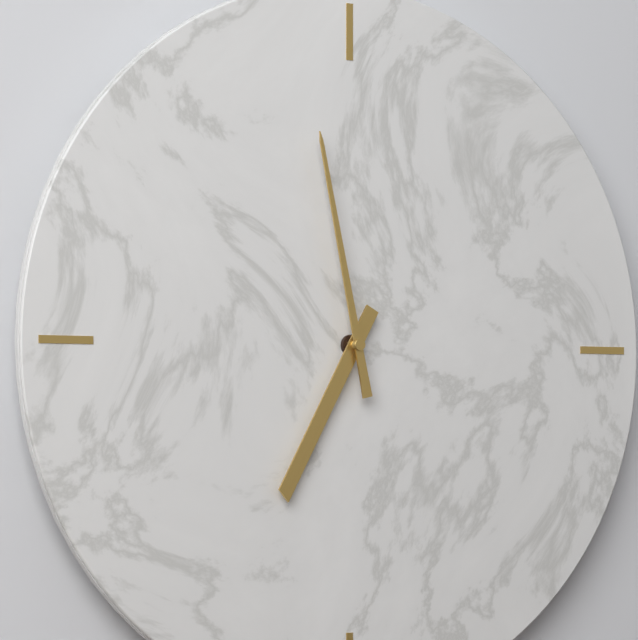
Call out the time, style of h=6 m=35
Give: h=6 m=58
